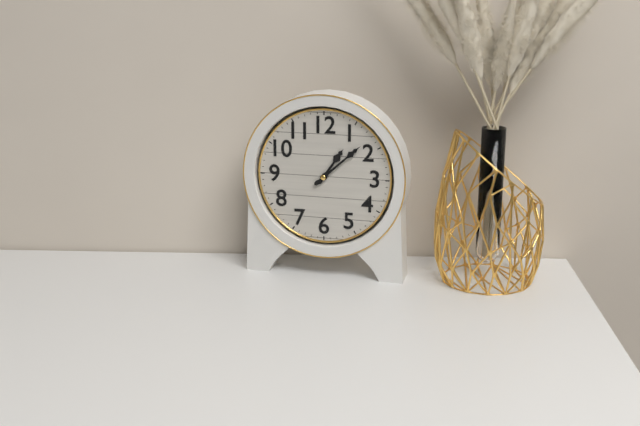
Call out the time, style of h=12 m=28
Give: h=1 m=8
